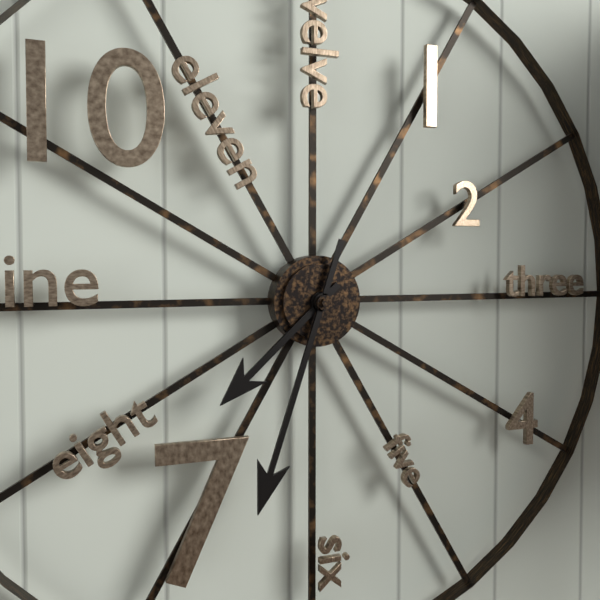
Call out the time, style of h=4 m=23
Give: h=7 m=33
